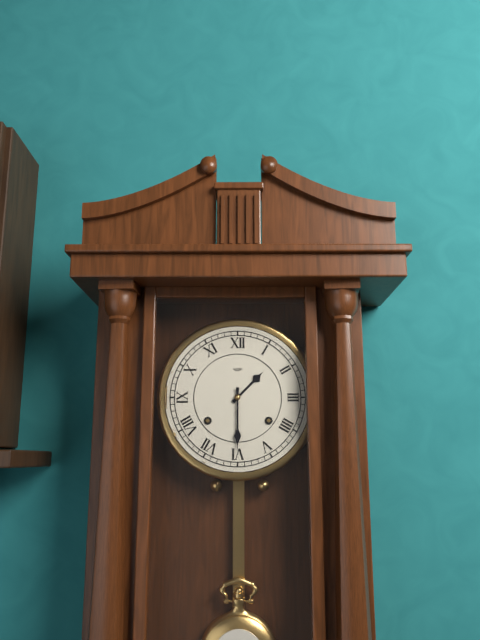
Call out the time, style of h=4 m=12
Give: h=1 m=30
